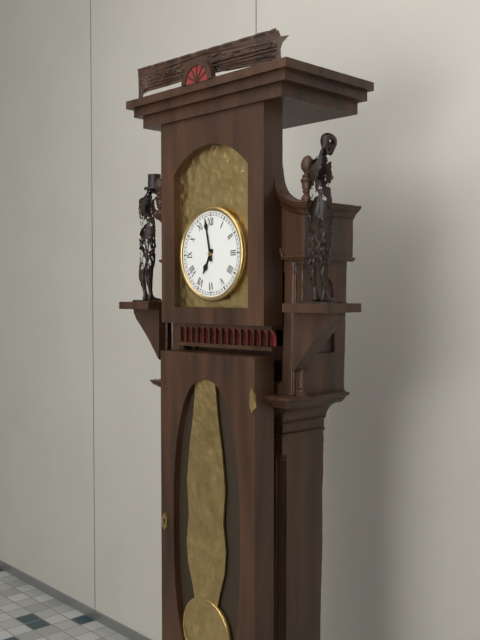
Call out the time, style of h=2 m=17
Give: h=6 m=58
